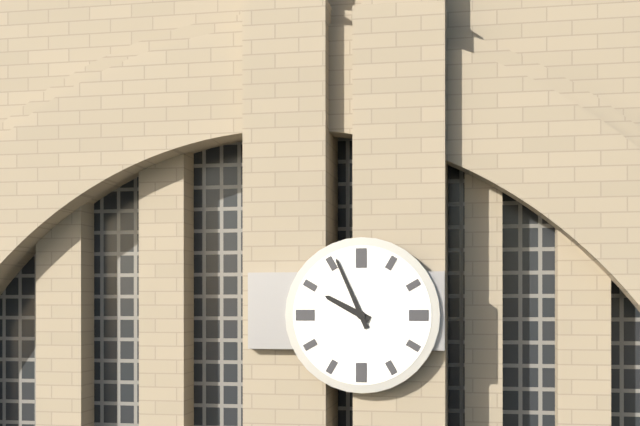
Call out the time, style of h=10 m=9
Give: h=9 m=56
